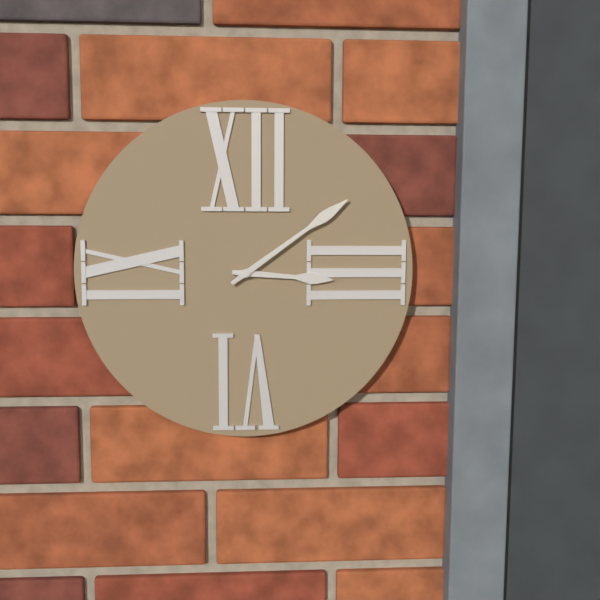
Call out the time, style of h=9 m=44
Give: h=3 m=9
